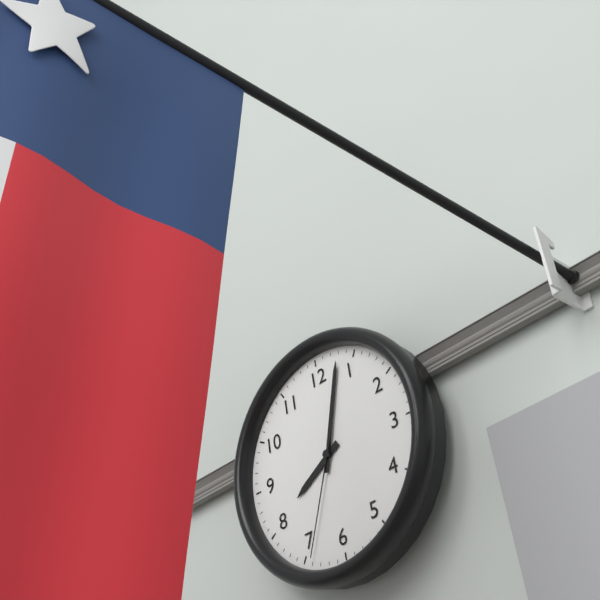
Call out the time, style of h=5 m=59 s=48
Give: h=8 m=3 s=34
